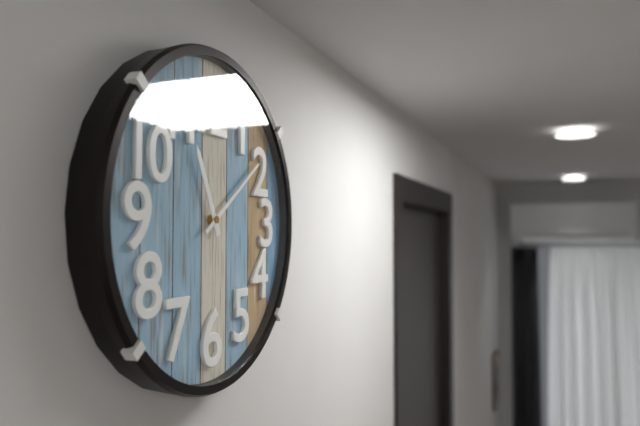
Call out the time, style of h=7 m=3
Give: h=11 m=9
